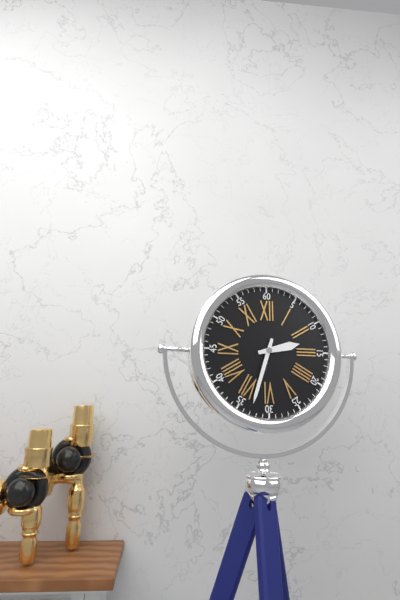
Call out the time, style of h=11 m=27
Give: h=2 m=33
